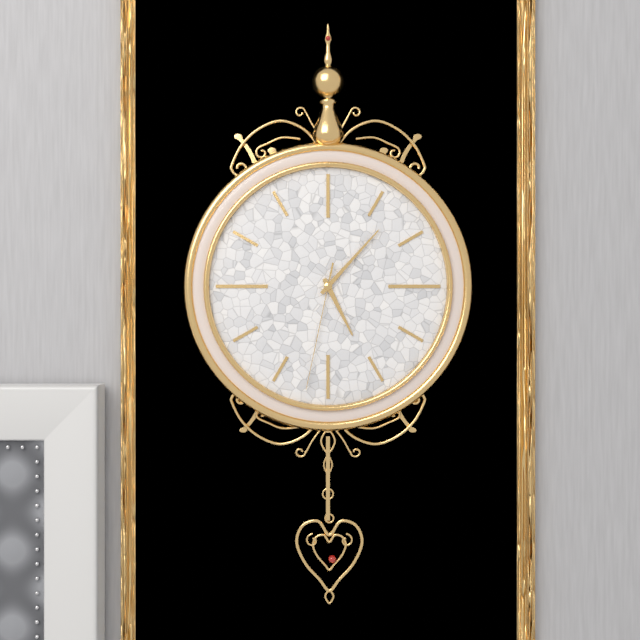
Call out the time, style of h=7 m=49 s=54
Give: h=5 m=7 s=32
